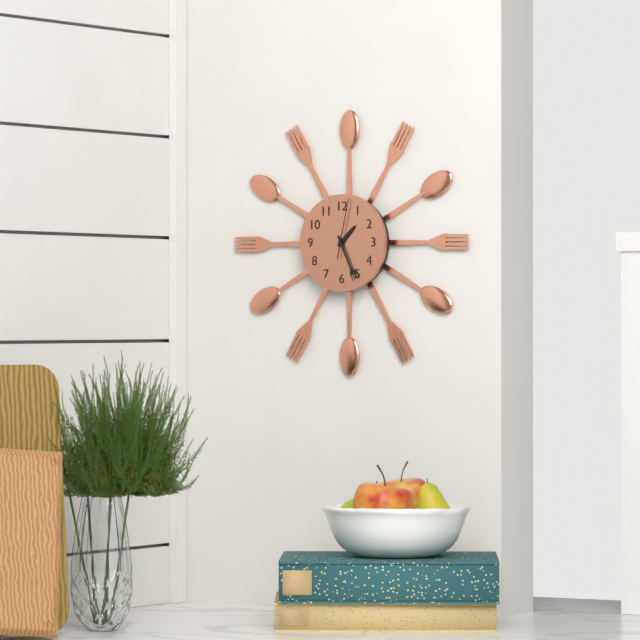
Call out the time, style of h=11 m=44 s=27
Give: h=1 m=26 s=2
